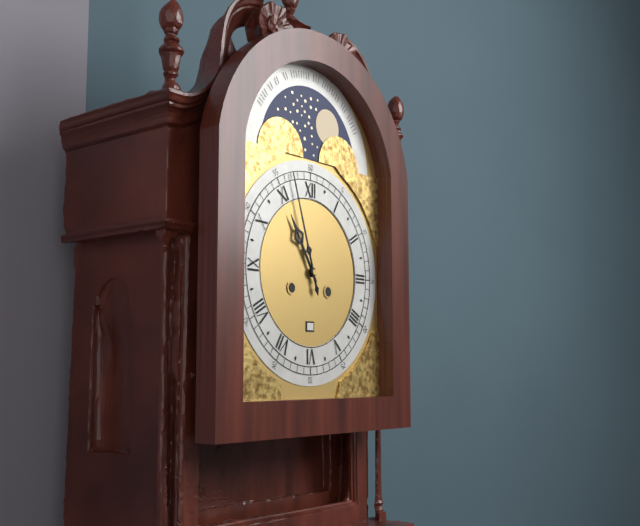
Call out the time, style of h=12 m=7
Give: h=10 m=57
